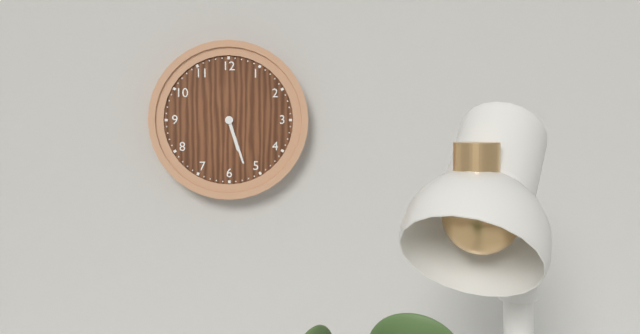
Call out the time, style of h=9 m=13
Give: h=5 m=27
